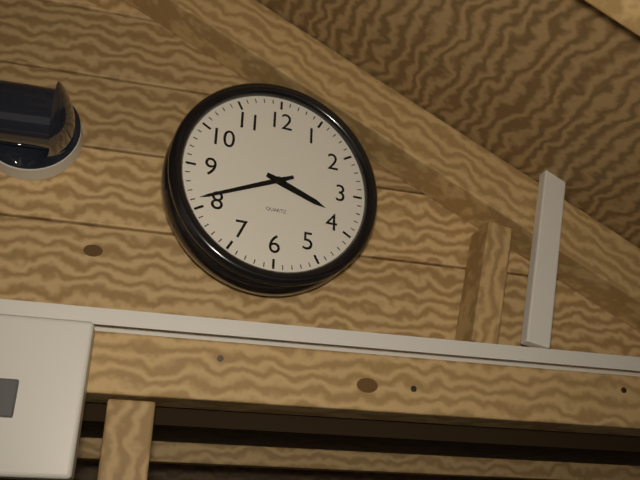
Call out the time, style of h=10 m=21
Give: h=3 m=41
